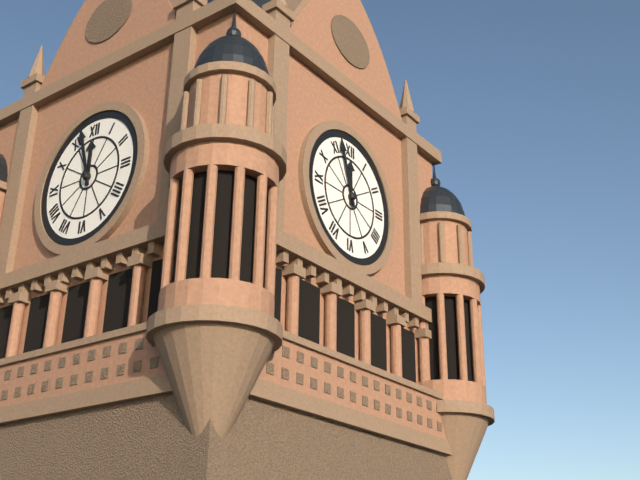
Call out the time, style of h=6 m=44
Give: h=11 m=57
